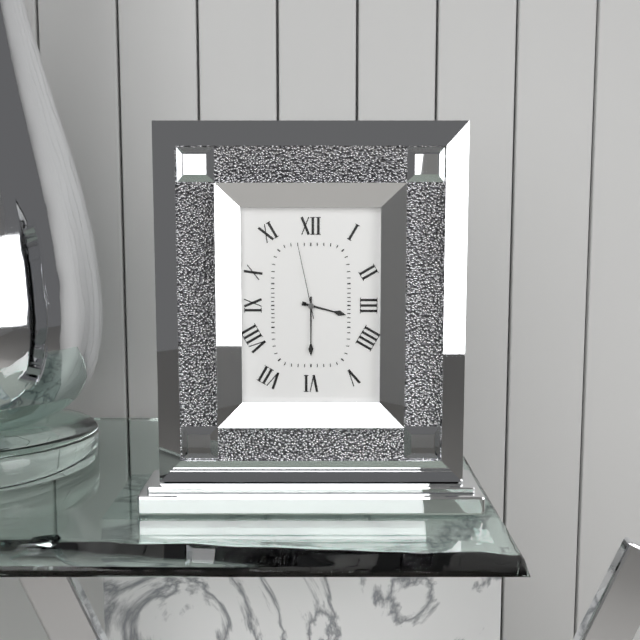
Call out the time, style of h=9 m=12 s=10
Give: h=3 m=30 s=58
